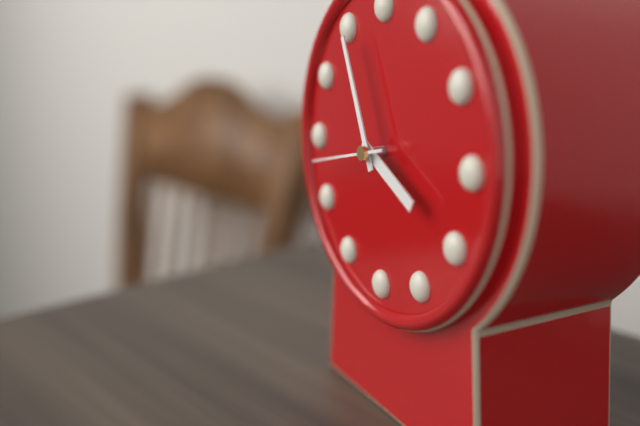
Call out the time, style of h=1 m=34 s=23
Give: h=3 m=56 s=43
